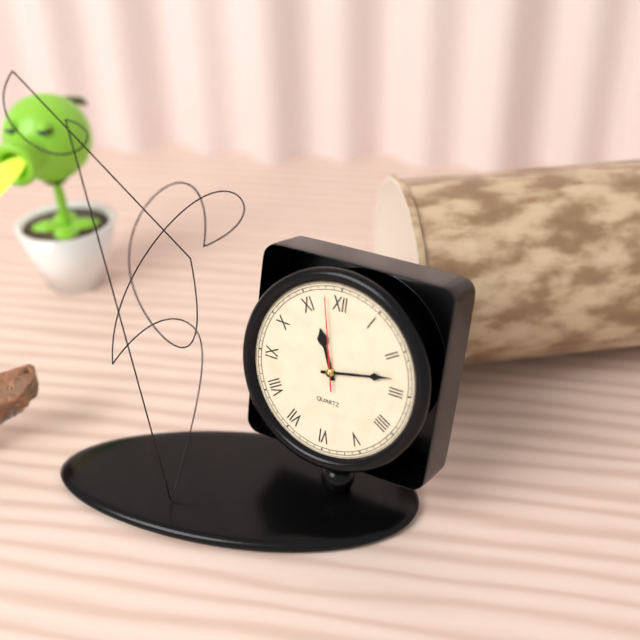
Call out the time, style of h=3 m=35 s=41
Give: h=11 m=13 s=58
